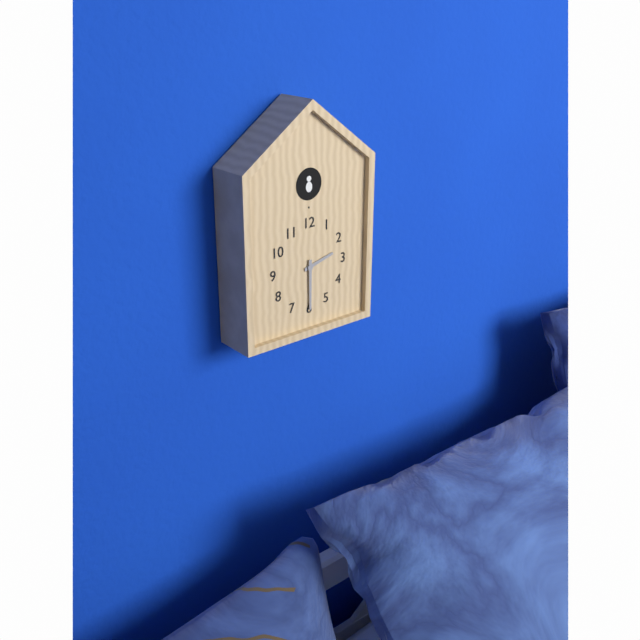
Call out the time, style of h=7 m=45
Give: h=2 m=30
